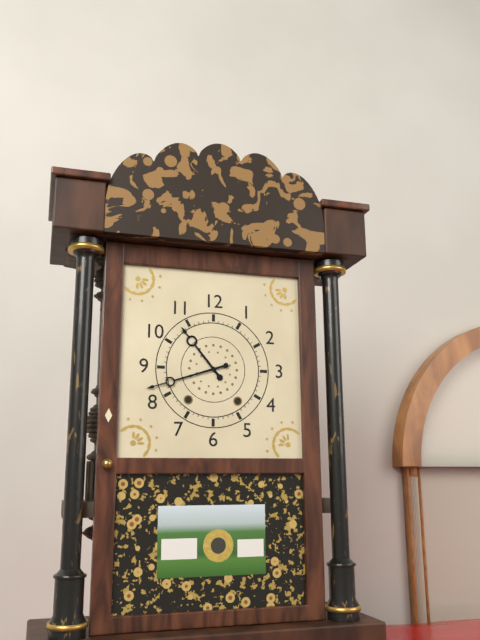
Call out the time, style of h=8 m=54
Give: h=10 m=42
